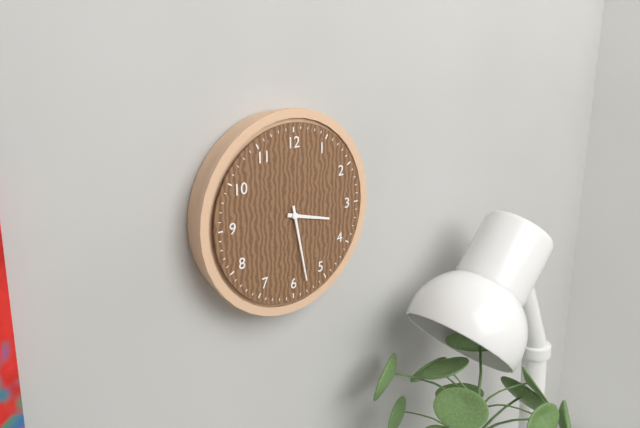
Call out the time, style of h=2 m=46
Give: h=3 m=28
